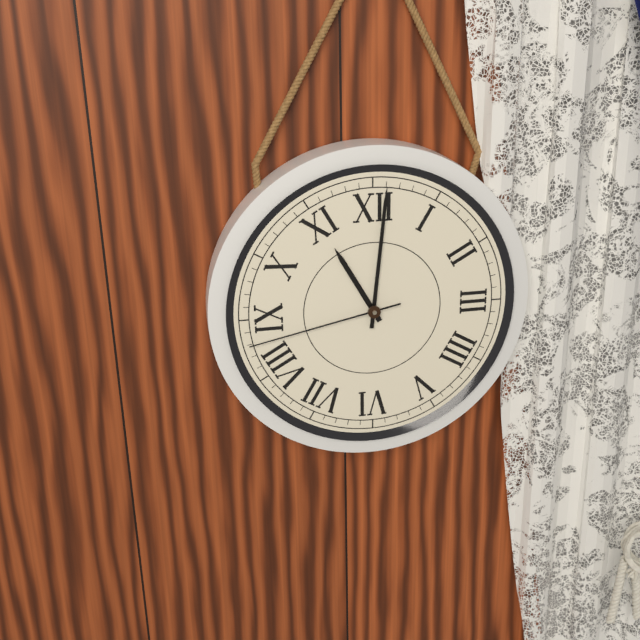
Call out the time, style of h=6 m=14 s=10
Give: h=11 m=1 s=43
